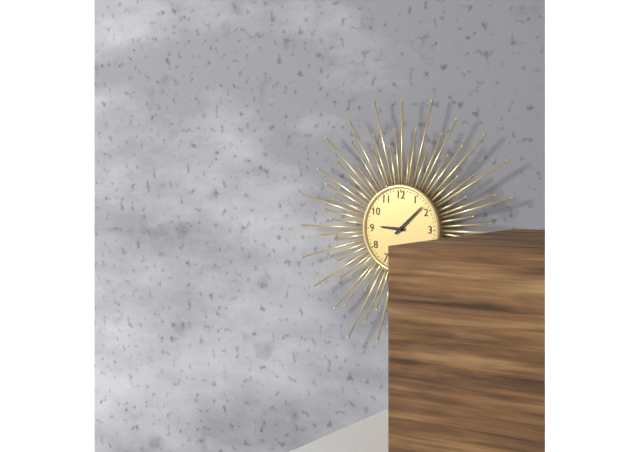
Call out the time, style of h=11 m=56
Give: h=9 m=8
